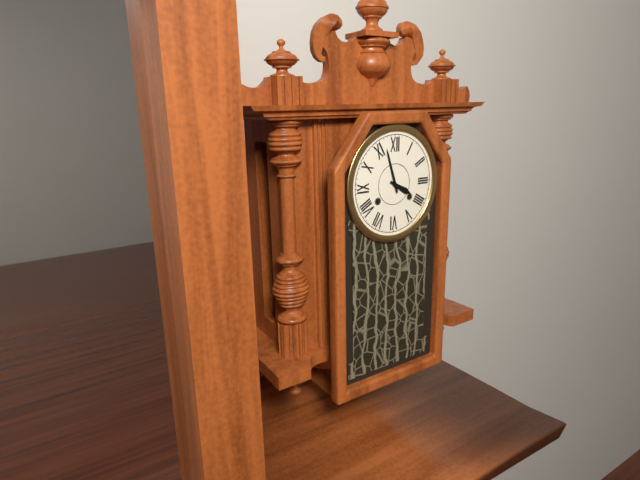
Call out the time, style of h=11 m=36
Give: h=3 m=57
